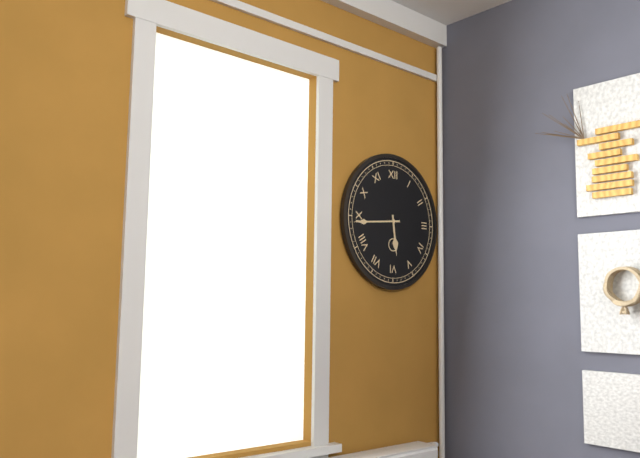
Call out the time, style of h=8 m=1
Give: h=5 m=44
